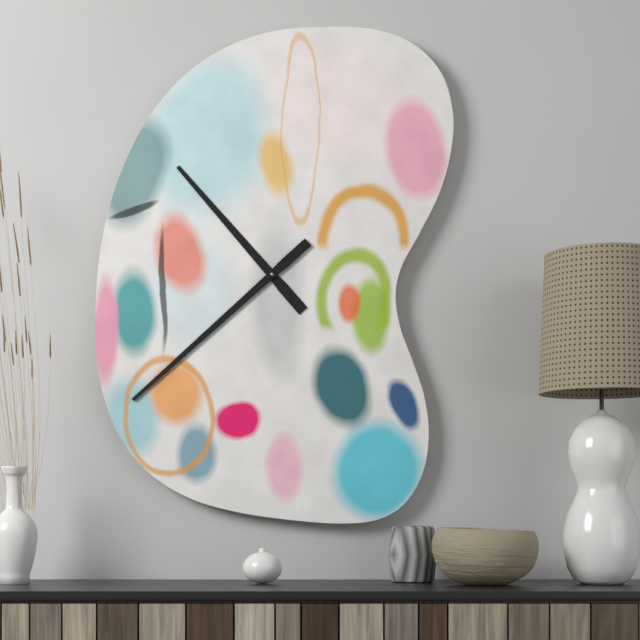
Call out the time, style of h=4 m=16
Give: h=10 m=38
